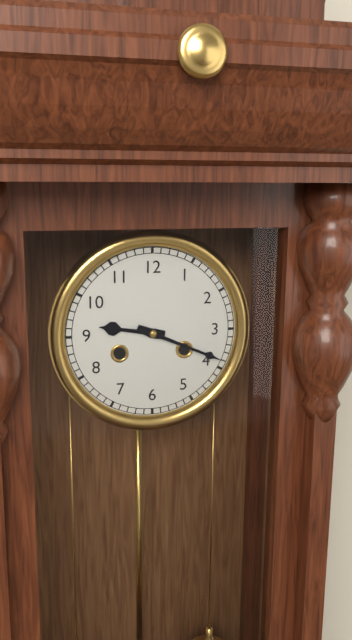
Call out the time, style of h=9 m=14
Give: h=9 m=19
